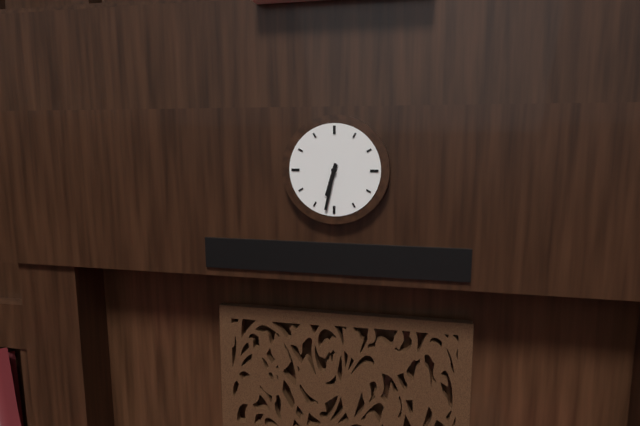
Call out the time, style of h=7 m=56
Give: h=6 m=32
